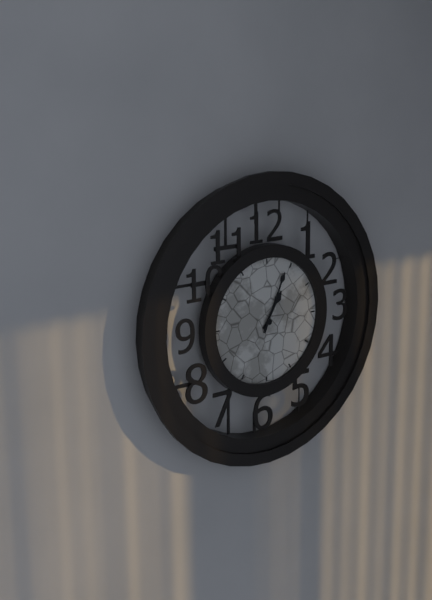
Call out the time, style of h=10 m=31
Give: h=1 m=4
